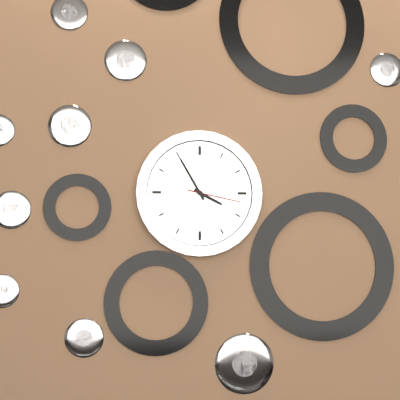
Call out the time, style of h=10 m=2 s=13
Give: h=3 m=55 s=17
